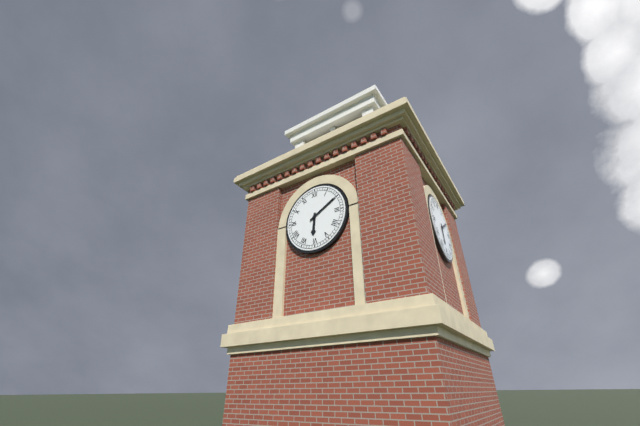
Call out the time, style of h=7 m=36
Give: h=6 m=10
